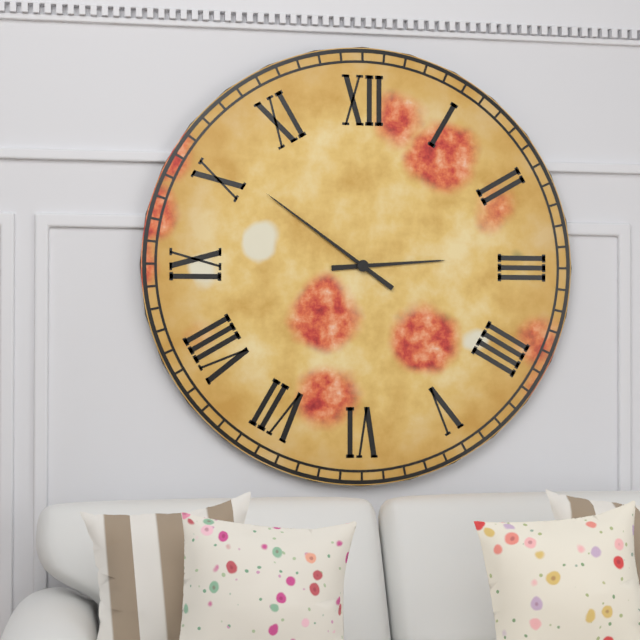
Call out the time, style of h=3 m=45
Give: h=2 m=51
